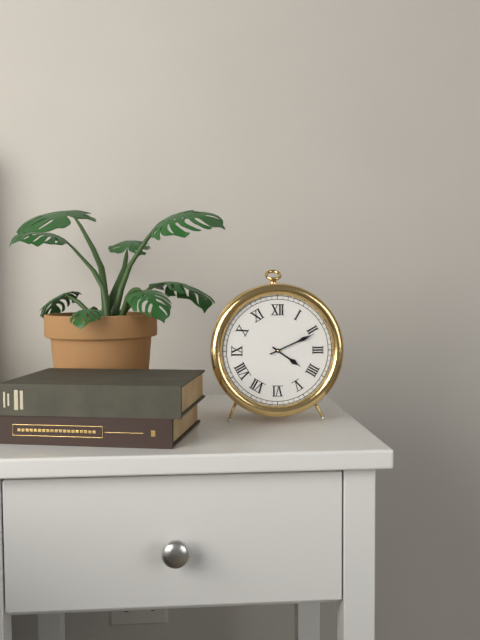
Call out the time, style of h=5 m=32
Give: h=4 m=11
